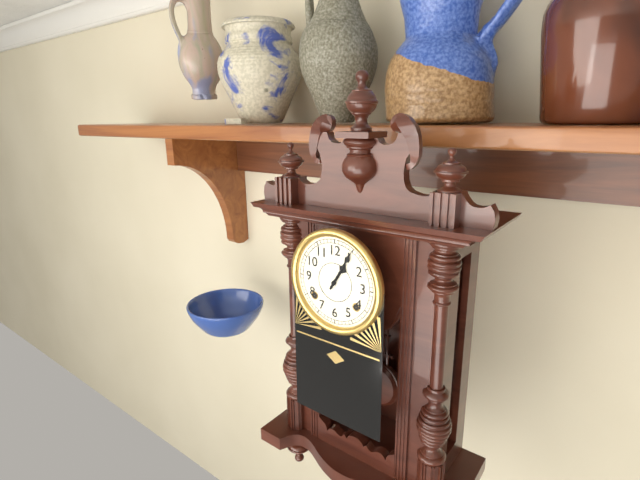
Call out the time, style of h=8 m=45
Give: h=1 m=5
